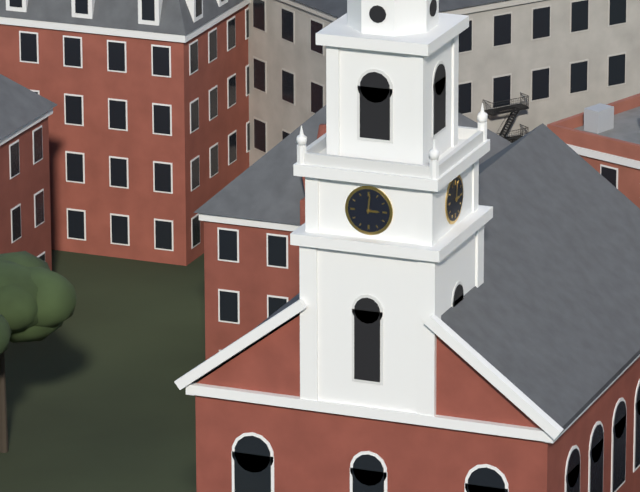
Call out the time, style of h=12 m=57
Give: h=3 m=1
